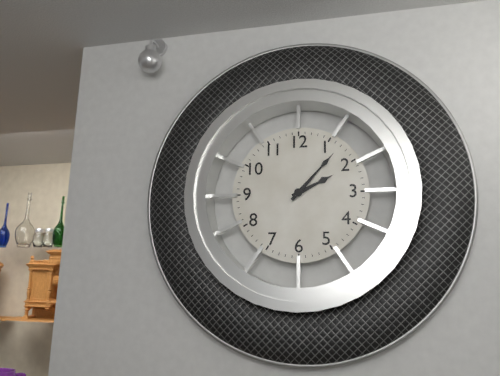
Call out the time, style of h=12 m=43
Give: h=2 m=7
